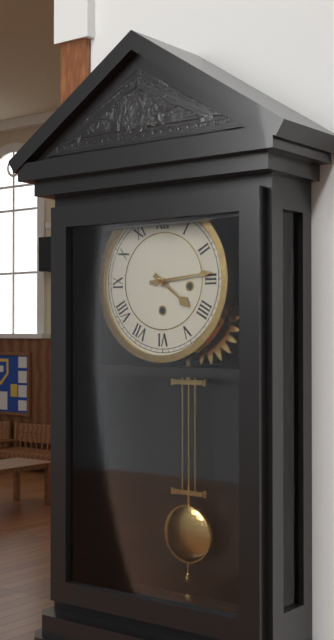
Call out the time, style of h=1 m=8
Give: h=4 m=14
